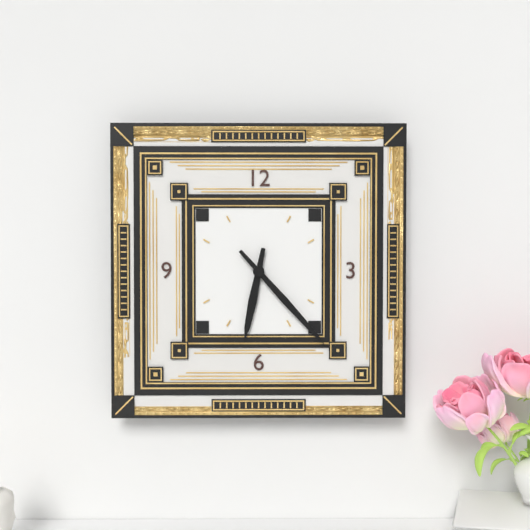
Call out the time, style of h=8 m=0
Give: h=6 m=23
